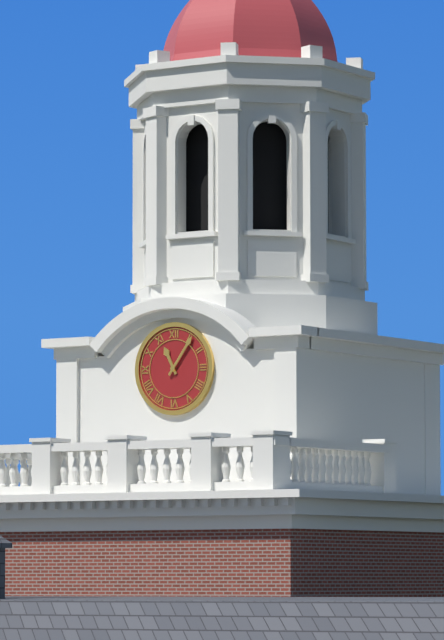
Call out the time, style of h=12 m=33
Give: h=11 m=6
